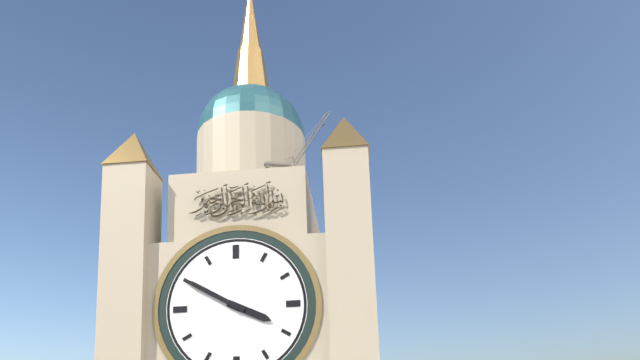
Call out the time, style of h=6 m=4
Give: h=3 m=50
